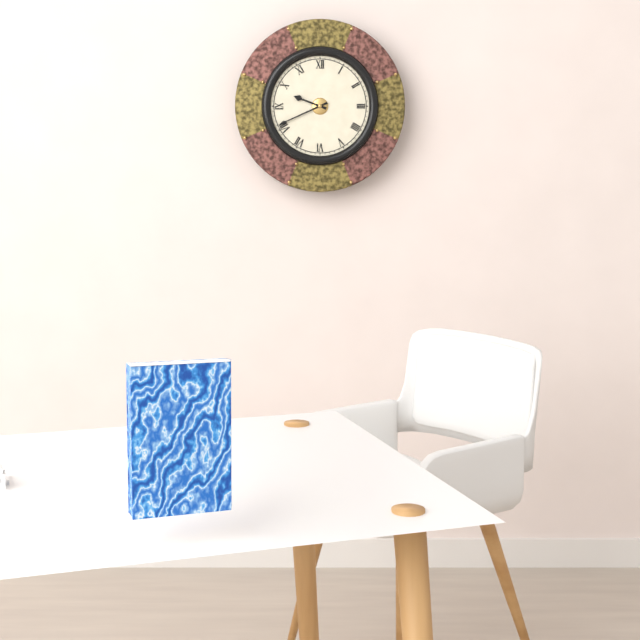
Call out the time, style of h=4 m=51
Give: h=9 m=41
